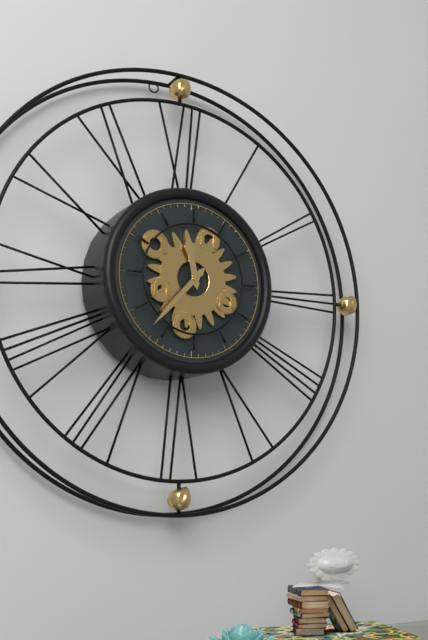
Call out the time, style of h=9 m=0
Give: h=11 m=37
